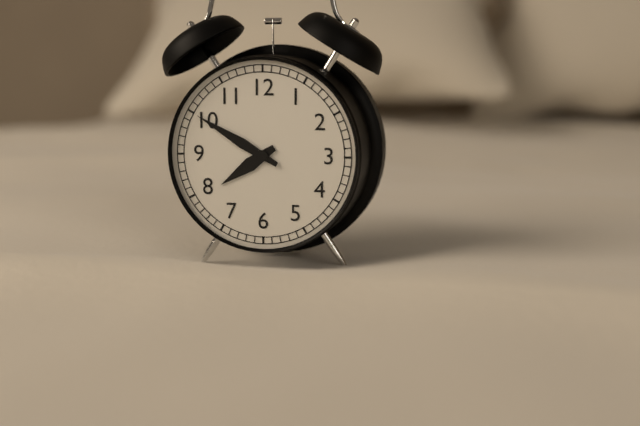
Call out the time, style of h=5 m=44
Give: h=7 m=50
